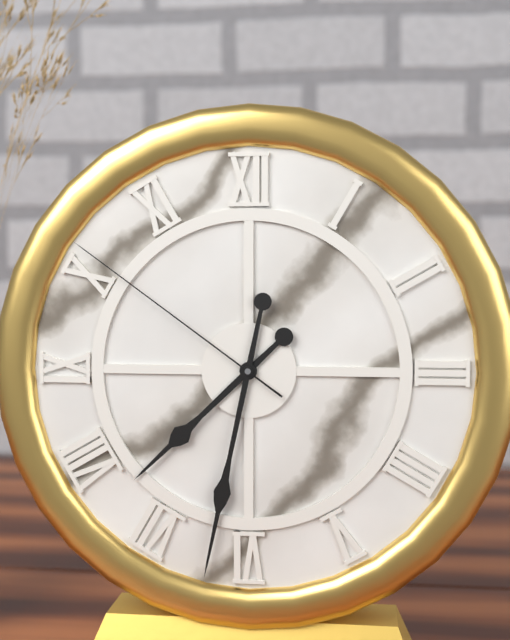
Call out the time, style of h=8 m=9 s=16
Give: h=7 m=32 s=51
